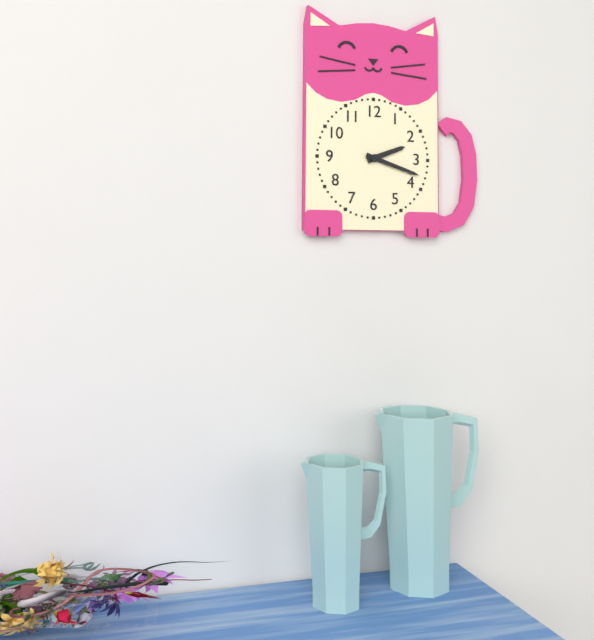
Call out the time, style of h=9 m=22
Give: h=2 m=18
